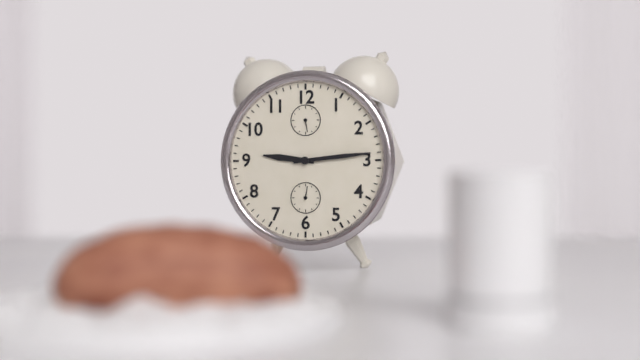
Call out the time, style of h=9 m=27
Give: h=9 m=14
